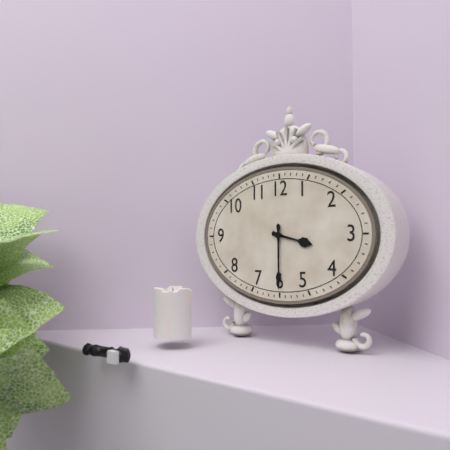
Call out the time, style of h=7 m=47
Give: h=3 m=30
